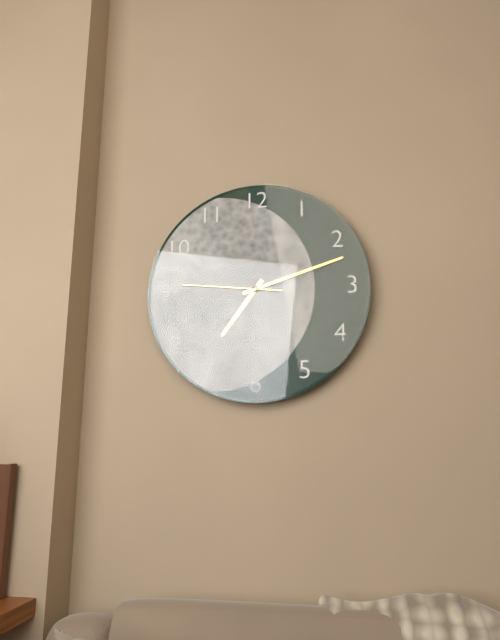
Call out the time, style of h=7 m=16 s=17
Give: h=7 m=12 s=46
